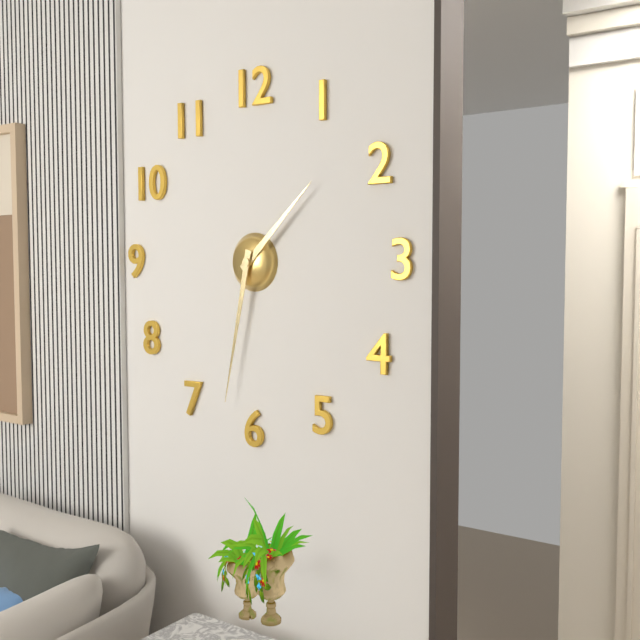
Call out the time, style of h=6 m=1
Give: h=1 m=32
